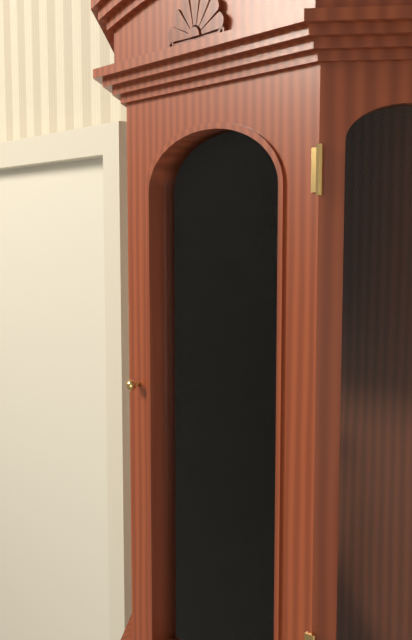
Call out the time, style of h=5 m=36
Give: h=1 m=28
